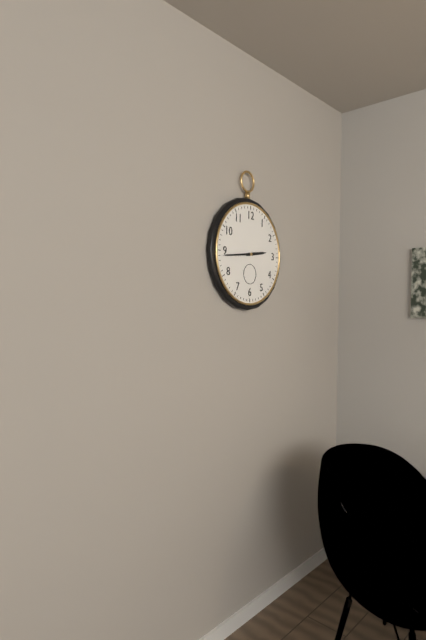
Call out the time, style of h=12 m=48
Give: h=2 m=44
